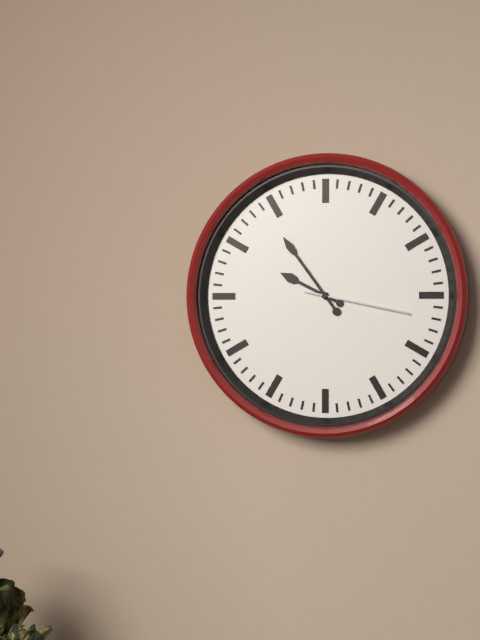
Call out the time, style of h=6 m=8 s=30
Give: h=9 m=54 s=17
